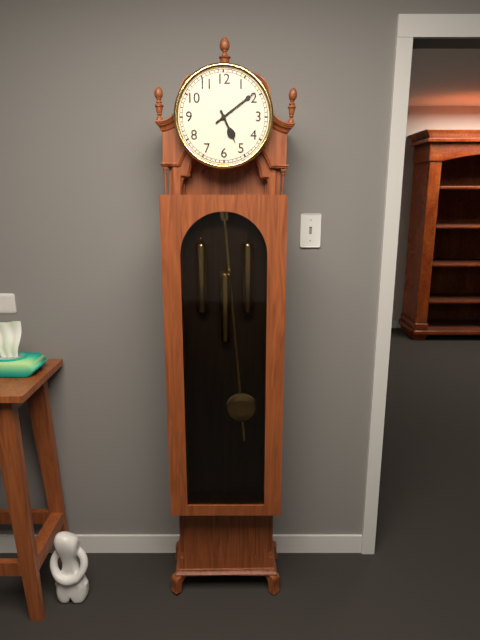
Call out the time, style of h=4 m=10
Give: h=5 m=9
